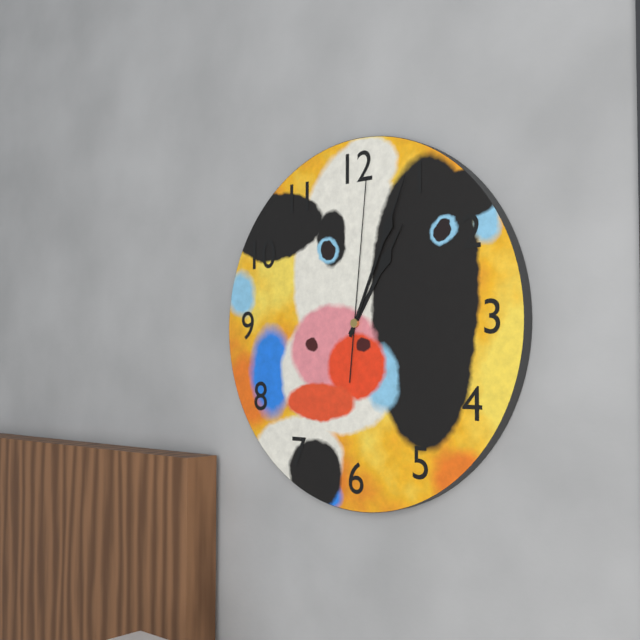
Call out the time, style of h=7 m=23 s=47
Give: h=1 m=4 s=1
